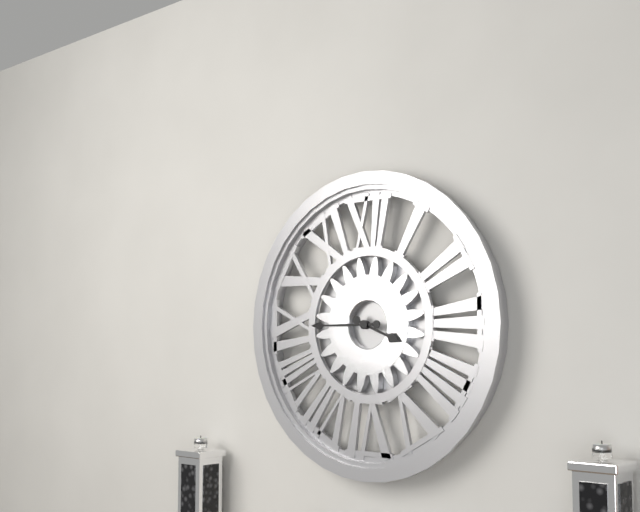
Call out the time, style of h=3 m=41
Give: h=3 m=45
